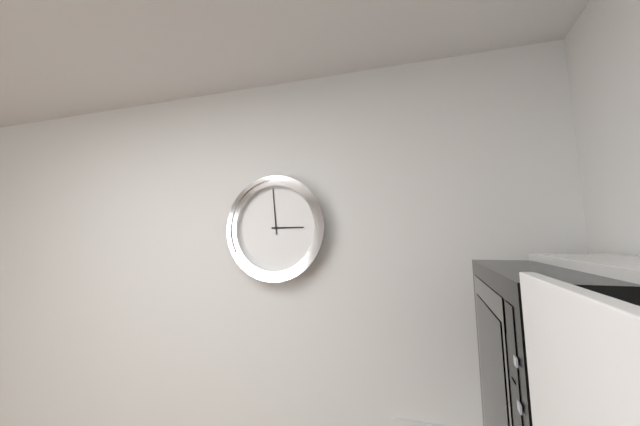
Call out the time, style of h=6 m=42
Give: h=2 m=59
